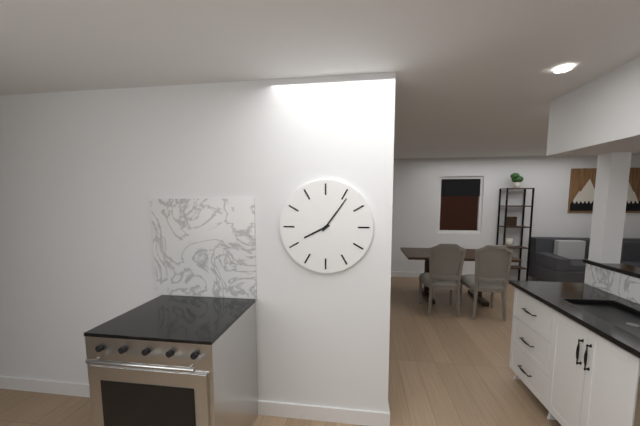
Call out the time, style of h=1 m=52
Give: h=8 m=6
